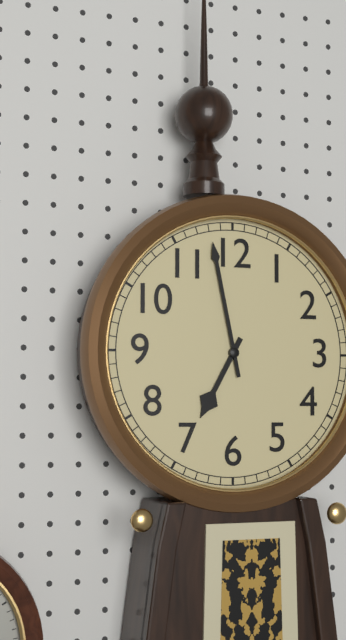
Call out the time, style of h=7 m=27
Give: h=6 m=58
